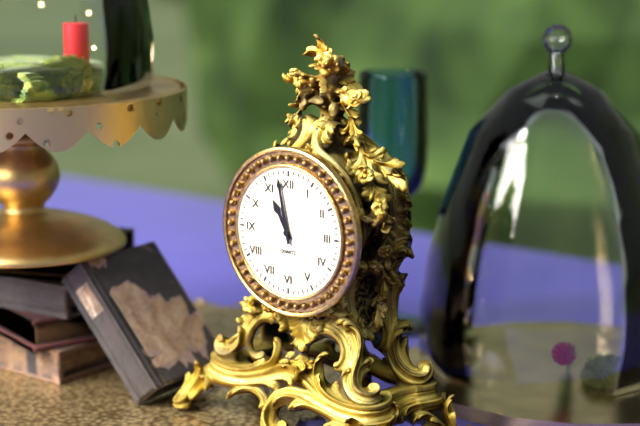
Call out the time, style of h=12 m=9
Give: h=10 m=58
